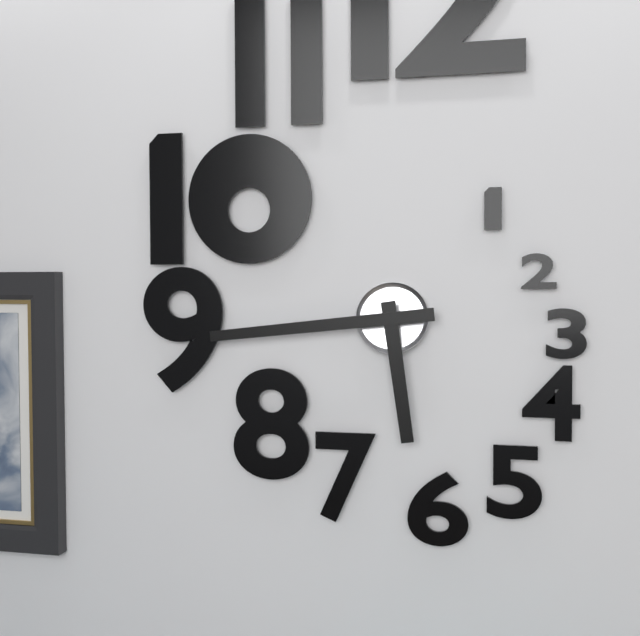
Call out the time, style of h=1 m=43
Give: h=5 m=44
